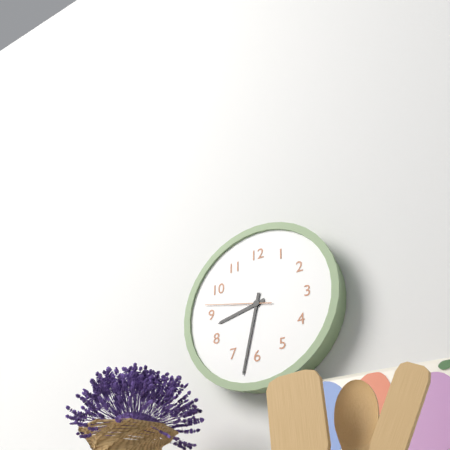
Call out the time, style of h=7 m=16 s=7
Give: h=8 m=32 s=47
